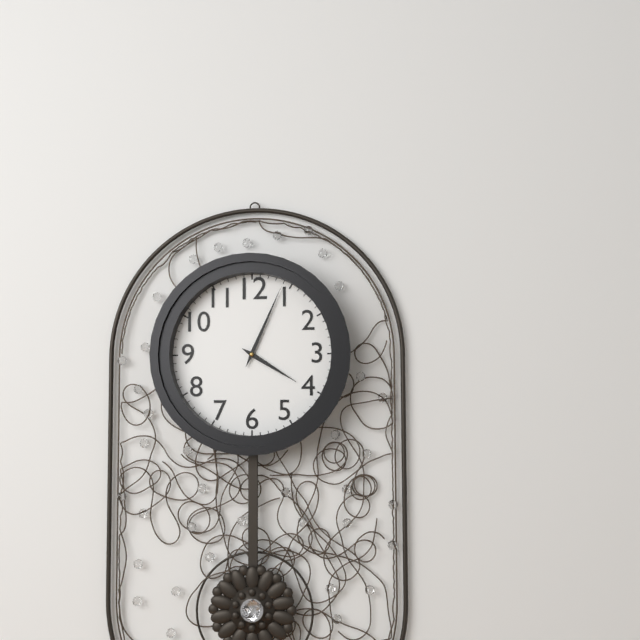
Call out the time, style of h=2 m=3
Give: h=4 m=4
